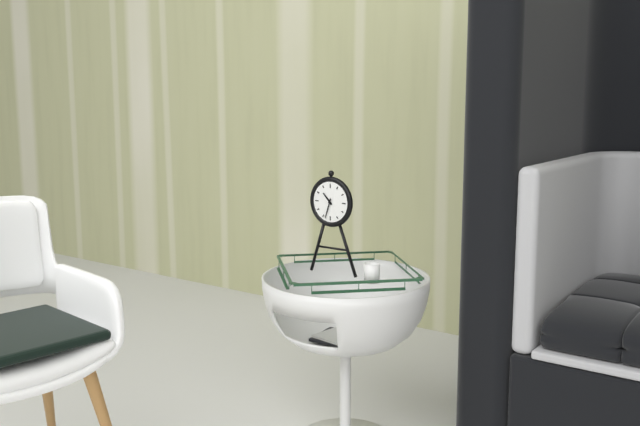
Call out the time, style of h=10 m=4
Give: h=10 m=33
